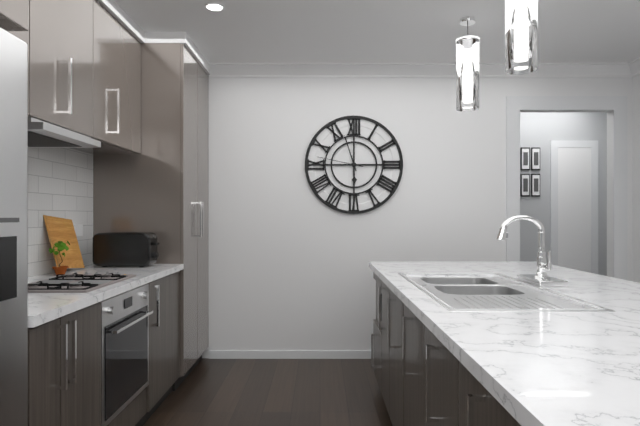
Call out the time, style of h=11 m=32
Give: h=5 m=57
